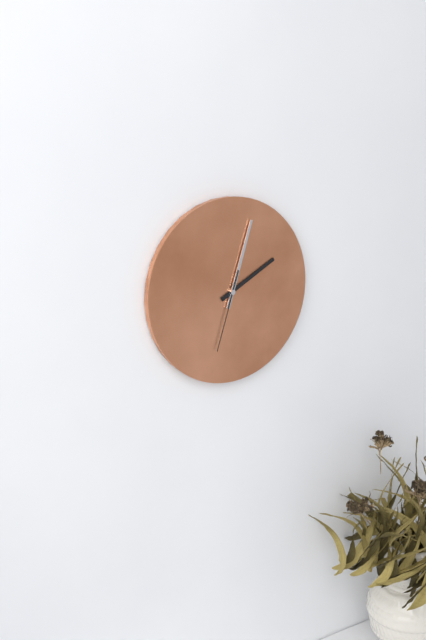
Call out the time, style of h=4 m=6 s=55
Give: h=2 m=3 s=33
